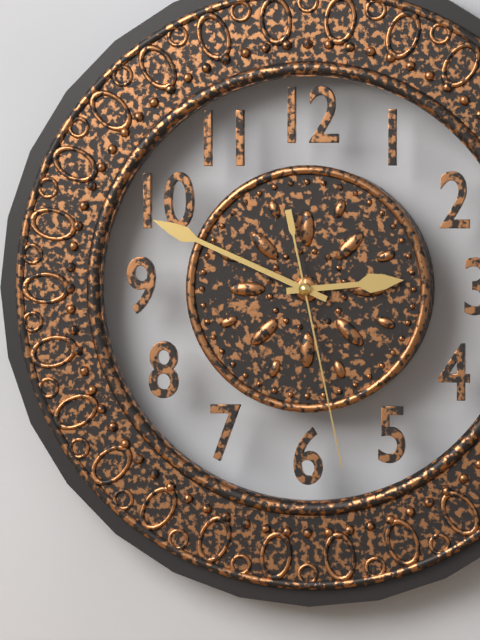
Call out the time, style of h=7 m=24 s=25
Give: h=2 m=49 s=28
